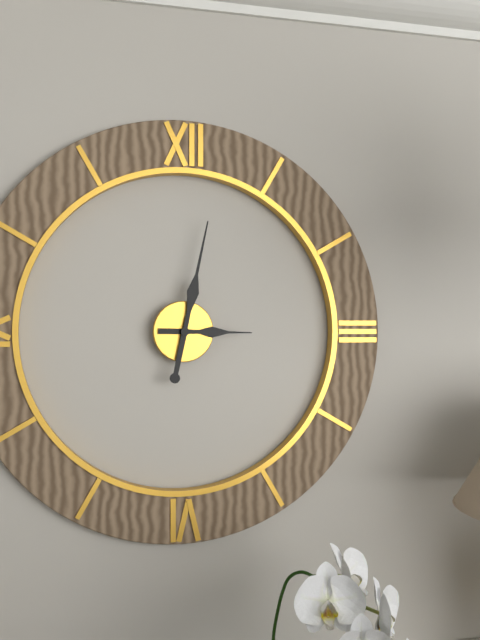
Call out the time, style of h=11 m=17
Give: h=3 m=2
